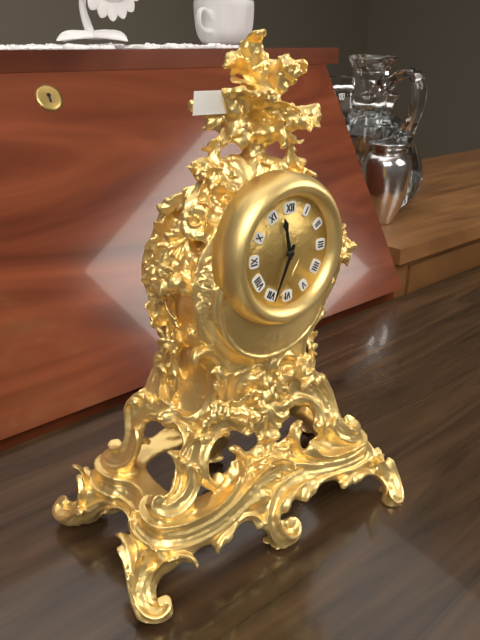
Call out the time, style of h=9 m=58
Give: h=11 m=34
